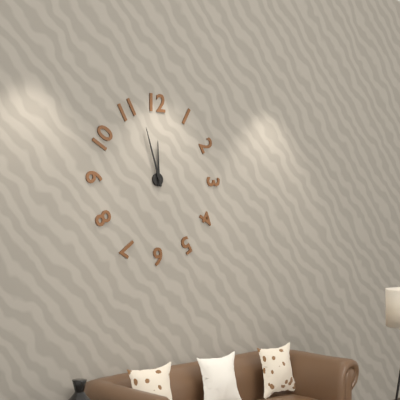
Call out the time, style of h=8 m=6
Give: h=11 m=57
